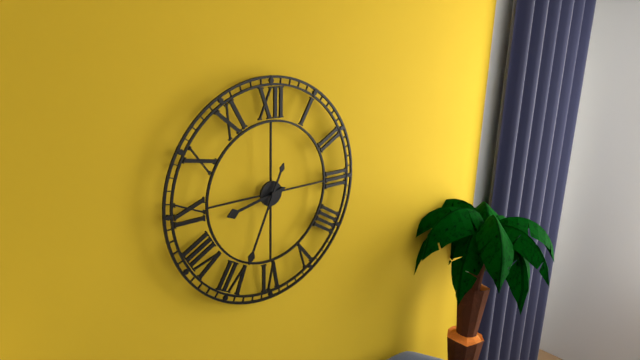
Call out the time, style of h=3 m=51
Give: h=8 m=34
